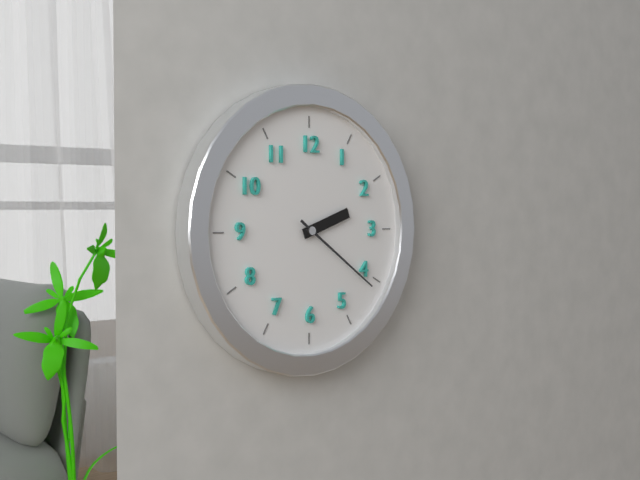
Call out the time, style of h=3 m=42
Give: h=2 m=21
